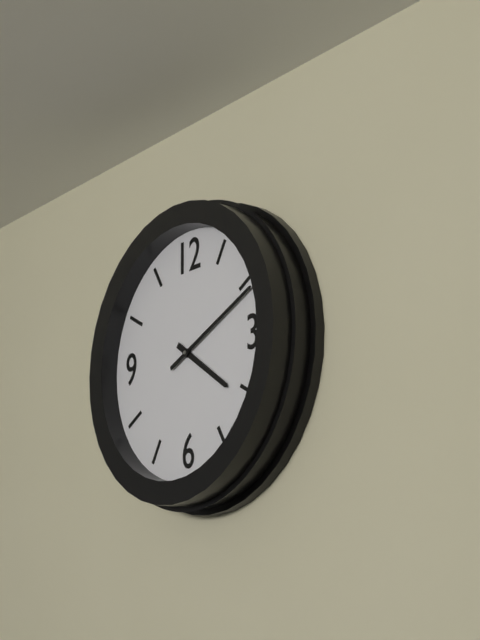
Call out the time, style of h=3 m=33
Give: h=4 m=11
